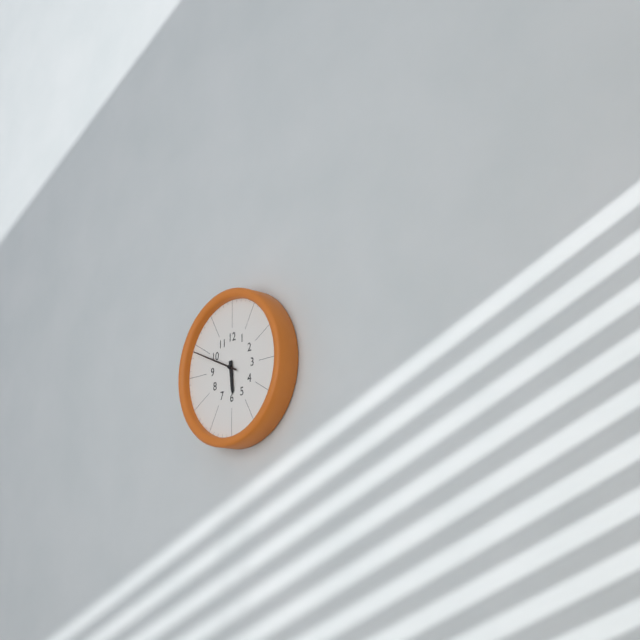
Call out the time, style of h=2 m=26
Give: h=5 m=49
